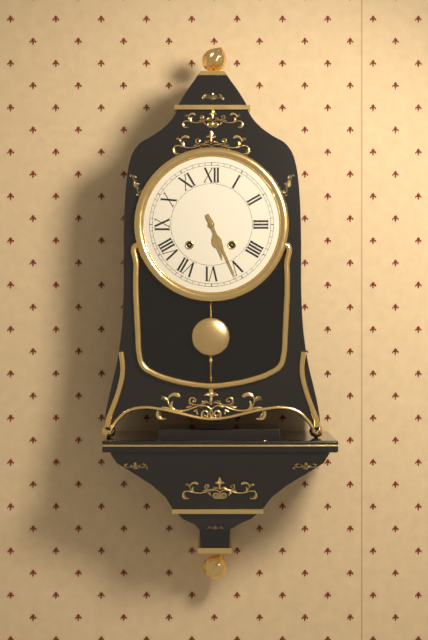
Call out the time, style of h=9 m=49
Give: h=5 m=26
